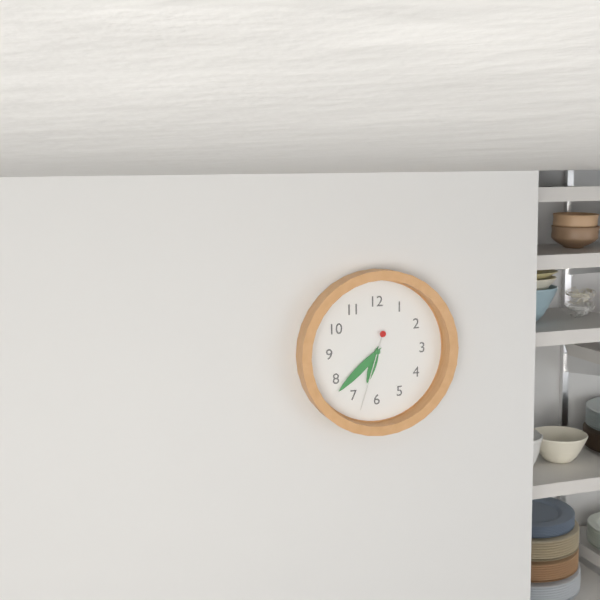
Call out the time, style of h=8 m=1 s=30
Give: h=6 m=38 s=33
